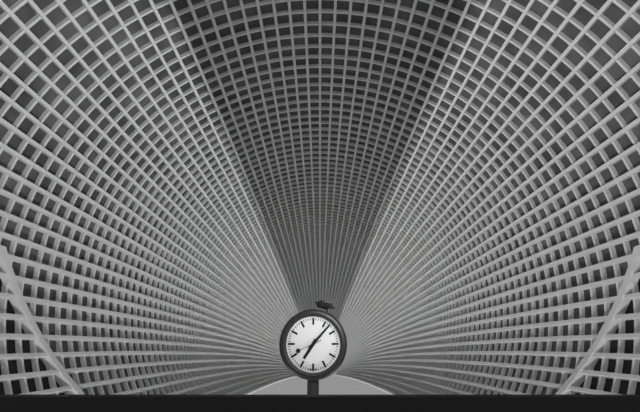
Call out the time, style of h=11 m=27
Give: h=7 m=7
